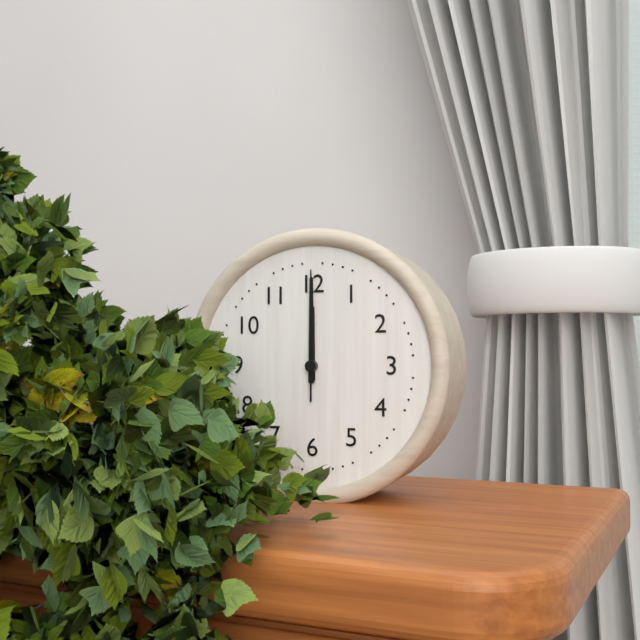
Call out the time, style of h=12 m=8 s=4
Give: h=12 m=0 s=0
